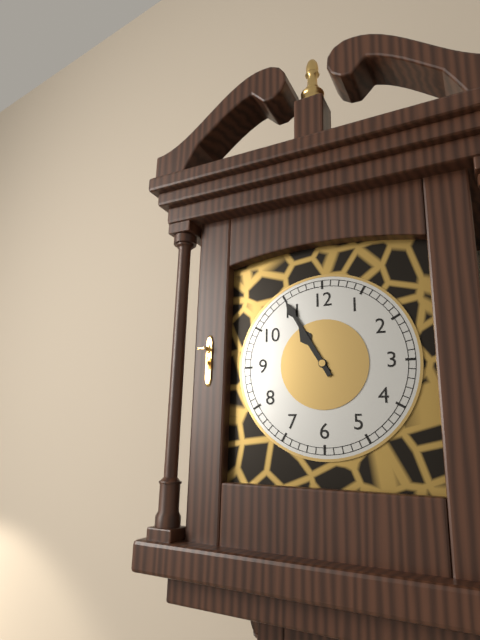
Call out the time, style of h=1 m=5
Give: h=10 m=55
